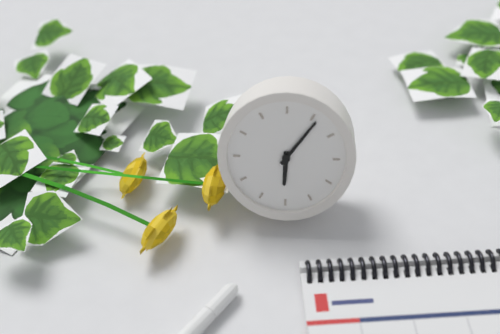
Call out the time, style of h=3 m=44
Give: h=6 m=6
